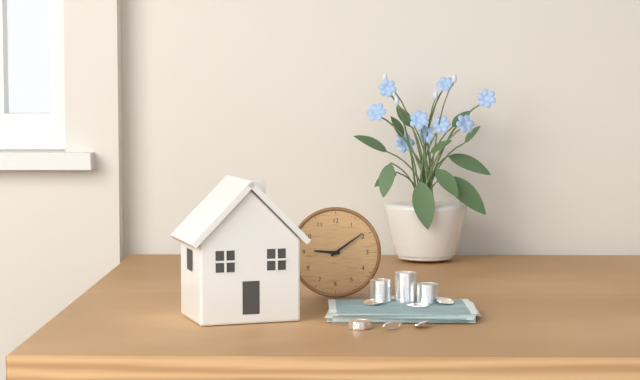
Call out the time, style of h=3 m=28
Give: h=9 m=9
